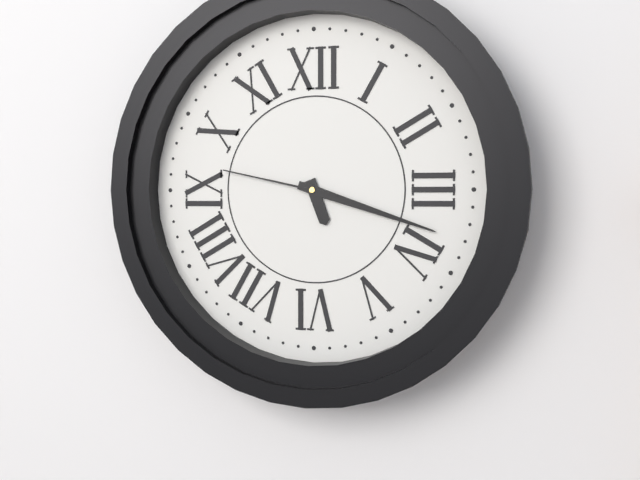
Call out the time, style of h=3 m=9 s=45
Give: h=5 m=18 s=47
